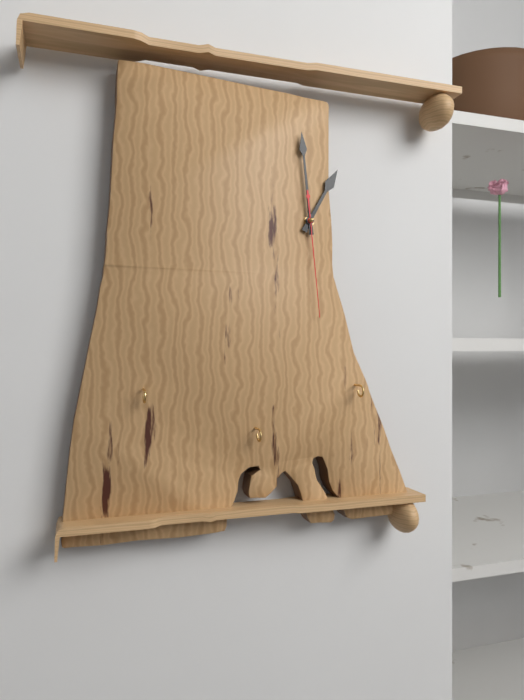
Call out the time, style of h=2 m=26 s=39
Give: h=12 m=59 s=29
